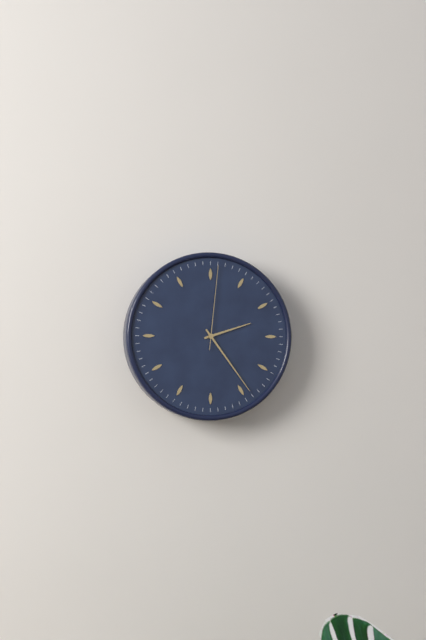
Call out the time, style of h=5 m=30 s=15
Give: h=2 m=24 s=1
